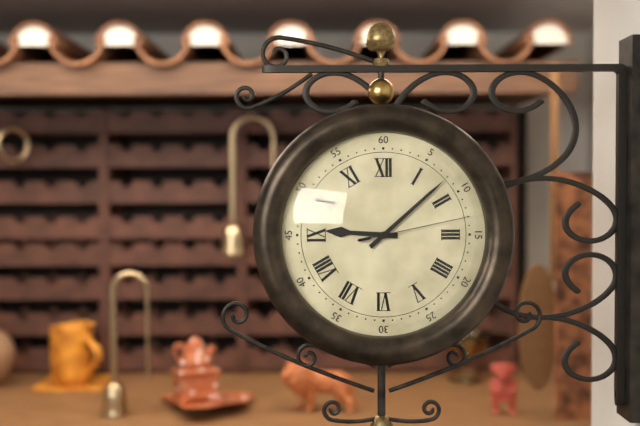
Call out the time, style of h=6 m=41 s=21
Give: h=9 m=8 s=13
